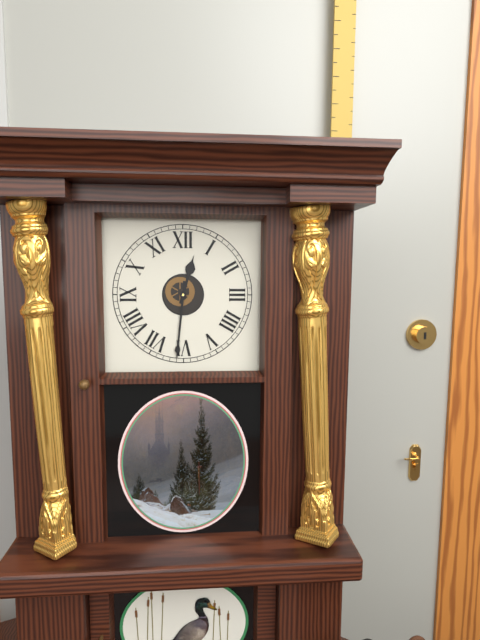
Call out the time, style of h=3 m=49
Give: h=12 m=31
